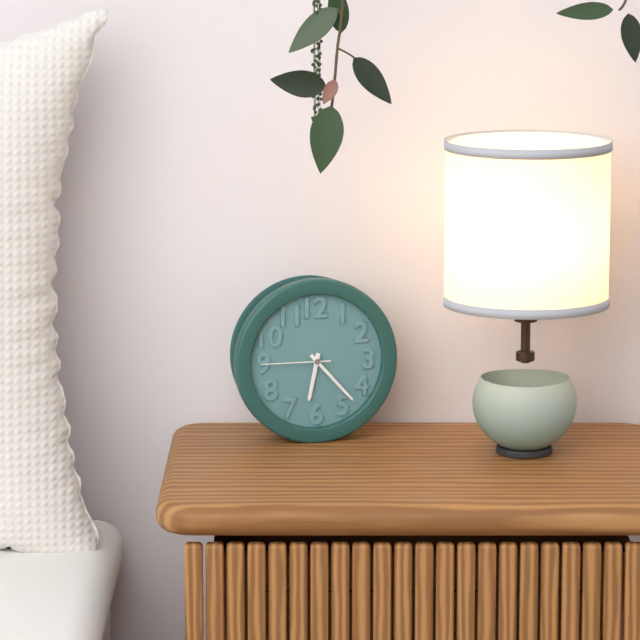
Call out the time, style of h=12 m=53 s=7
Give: h=6 m=23 s=45
